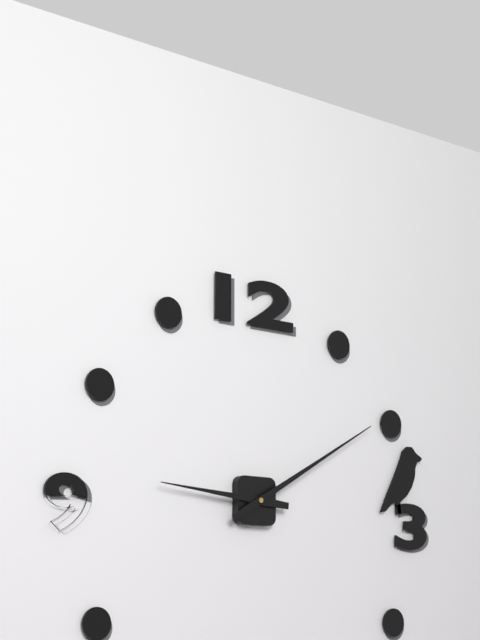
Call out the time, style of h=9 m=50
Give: h=9 m=10
